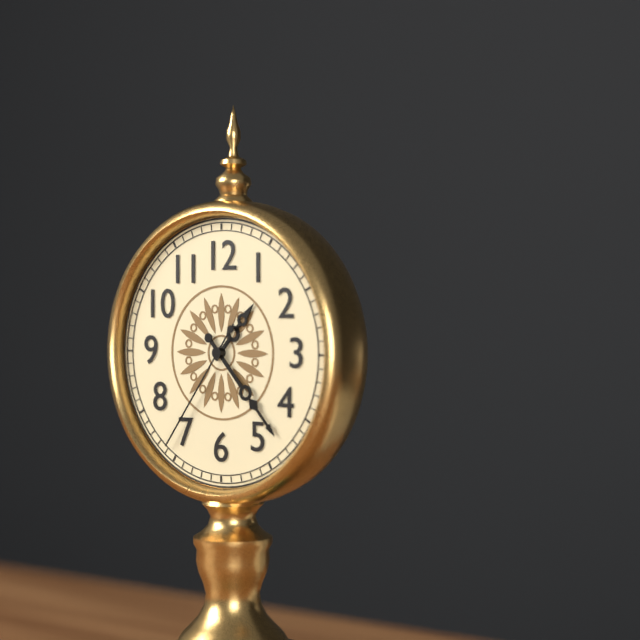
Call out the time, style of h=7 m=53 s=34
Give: h=1 m=23 s=36
